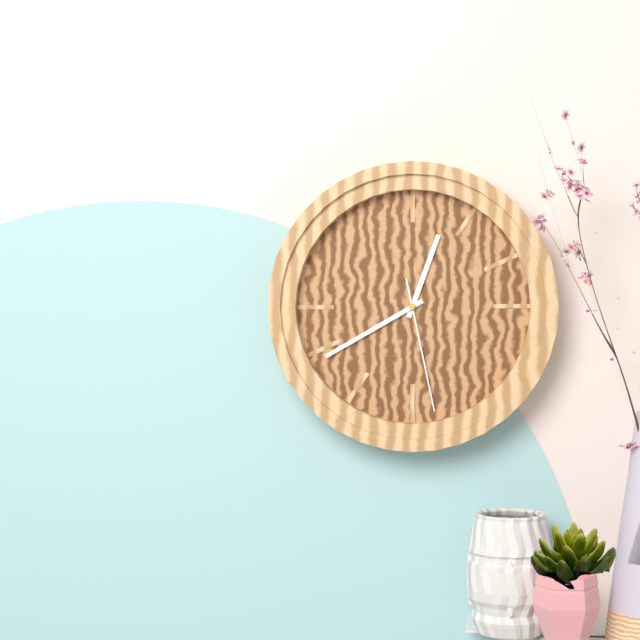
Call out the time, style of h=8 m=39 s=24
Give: h=12 m=40 s=28
